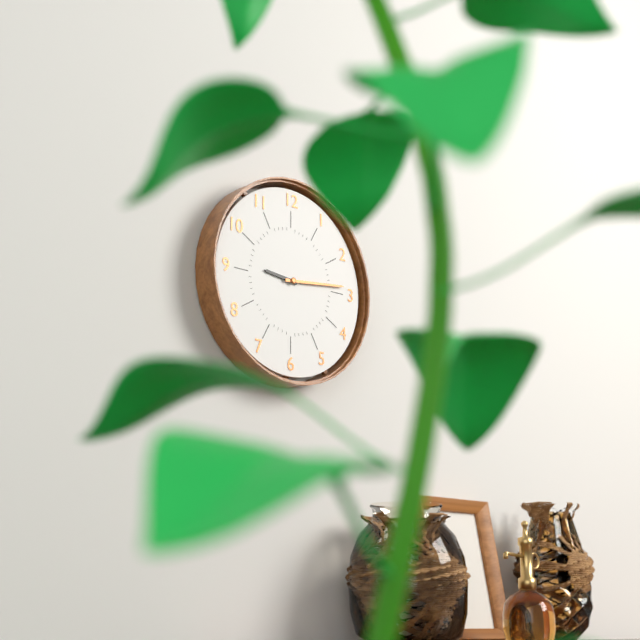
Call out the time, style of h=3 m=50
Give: h=9 m=14
